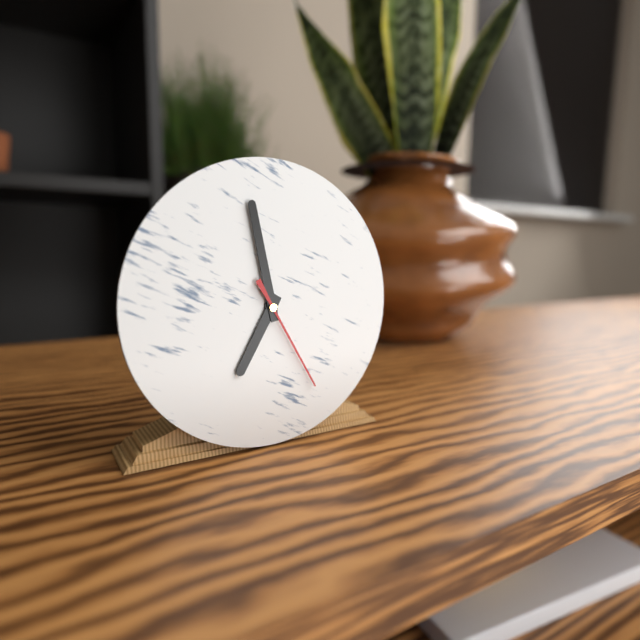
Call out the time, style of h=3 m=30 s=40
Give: h=6 m=58 s=25
